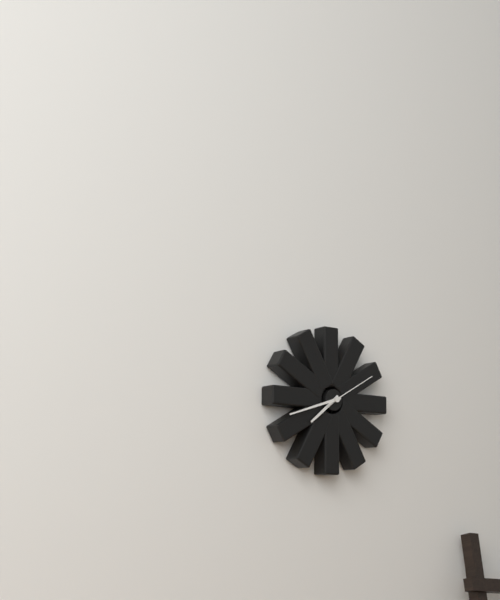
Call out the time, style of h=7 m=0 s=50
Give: h=7 m=42 s=10
